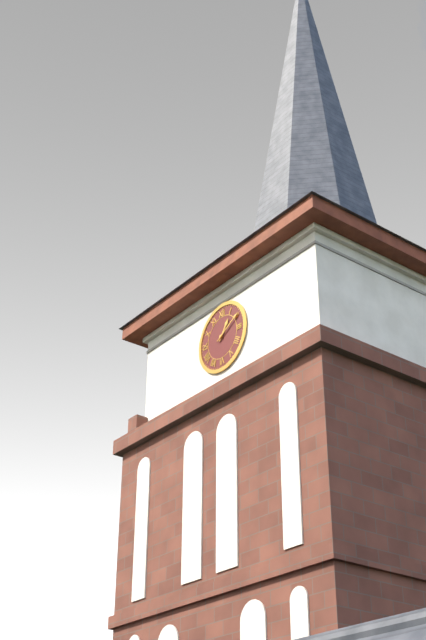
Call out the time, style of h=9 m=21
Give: h=1 m=10
